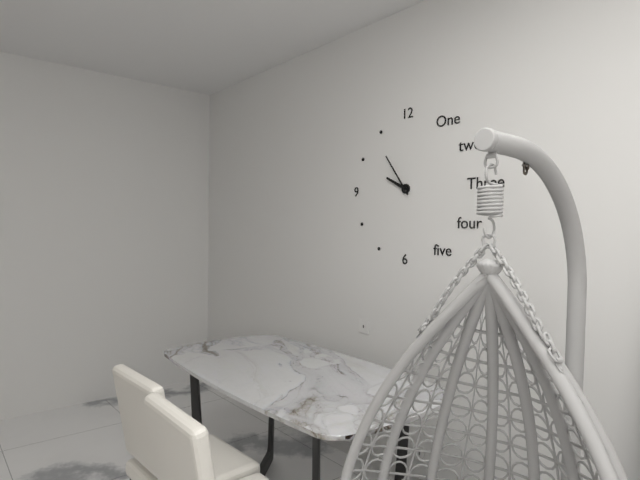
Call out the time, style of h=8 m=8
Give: h=9 m=54
